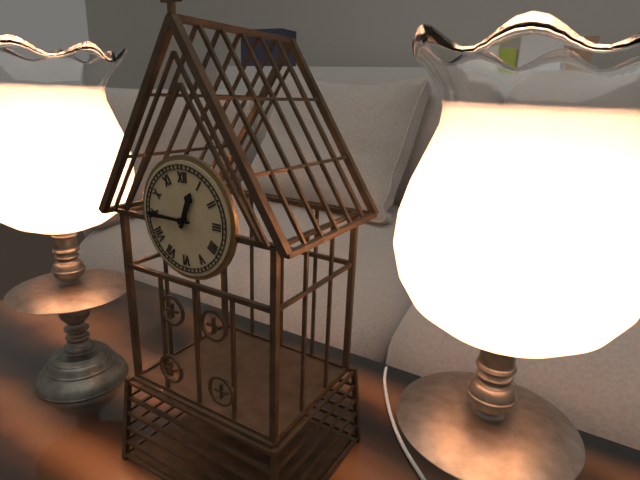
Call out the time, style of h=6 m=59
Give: h=12 m=45
